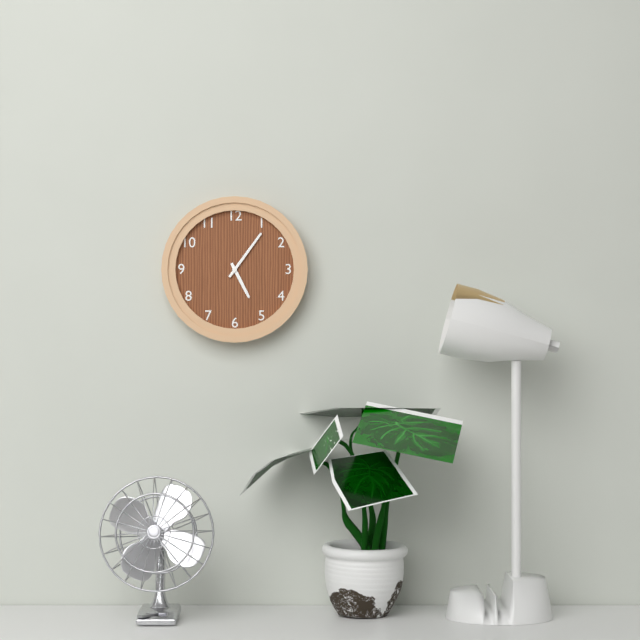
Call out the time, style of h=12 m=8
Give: h=5 m=6
